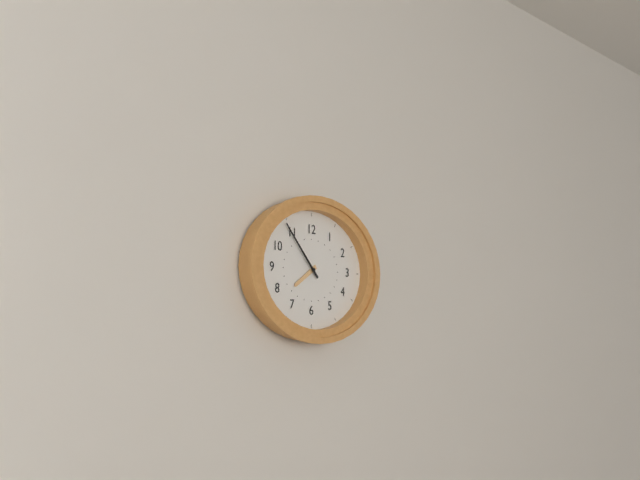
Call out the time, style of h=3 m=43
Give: h=7 m=53
